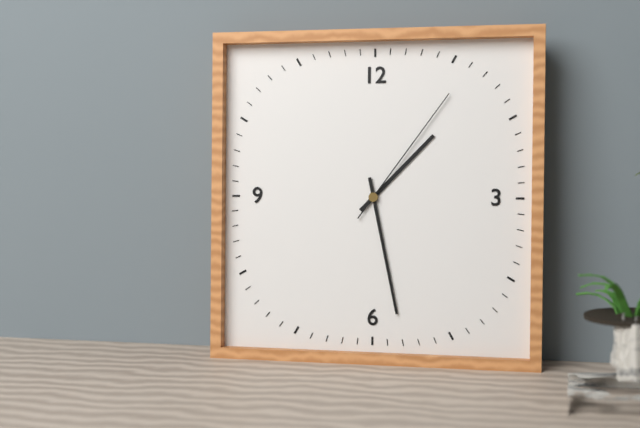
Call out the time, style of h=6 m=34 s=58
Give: h=1 m=28 s=6
